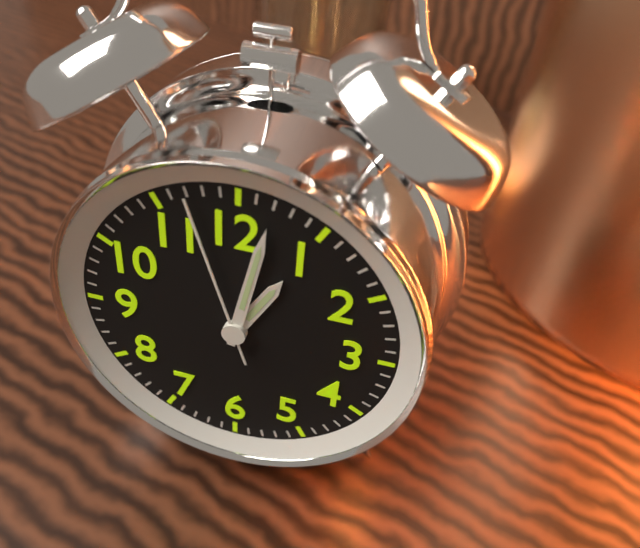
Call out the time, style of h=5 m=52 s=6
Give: h=1 m=2 s=57
